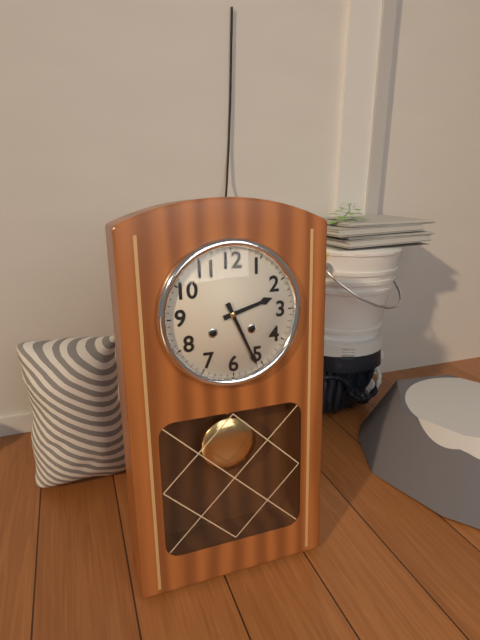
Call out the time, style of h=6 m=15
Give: h=2 m=26
